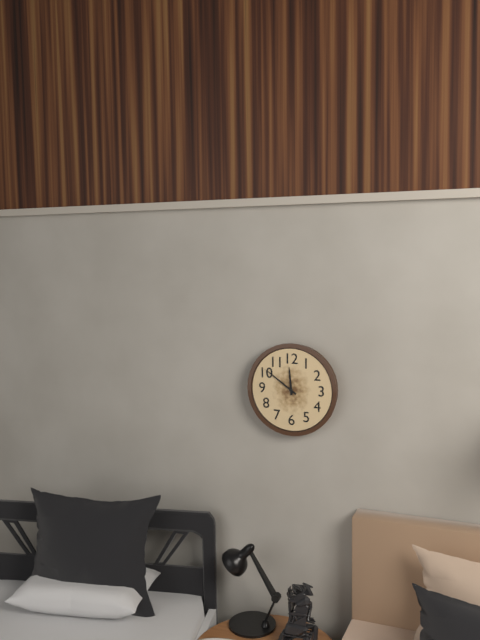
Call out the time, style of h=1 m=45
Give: h=11 m=51
